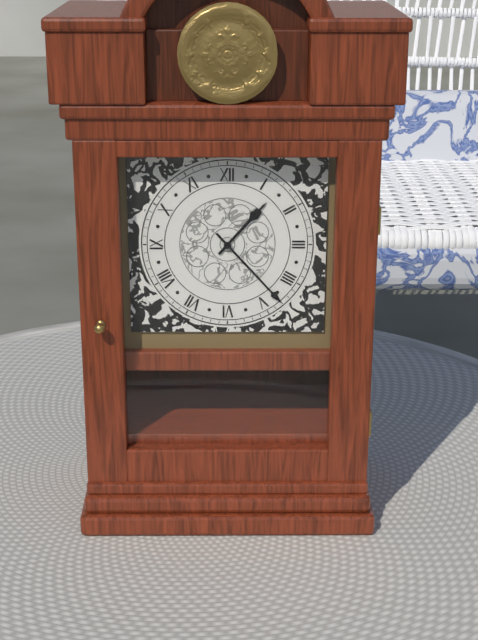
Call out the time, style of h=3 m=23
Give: h=1 m=23
